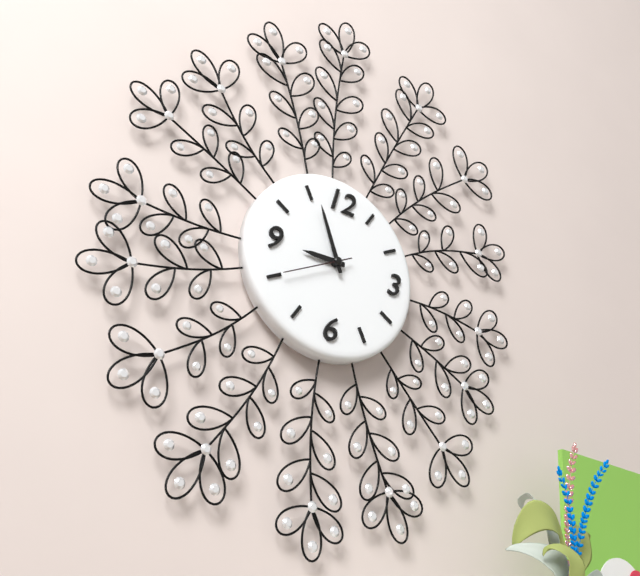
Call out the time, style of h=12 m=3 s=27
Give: h=8 m=56 s=40
